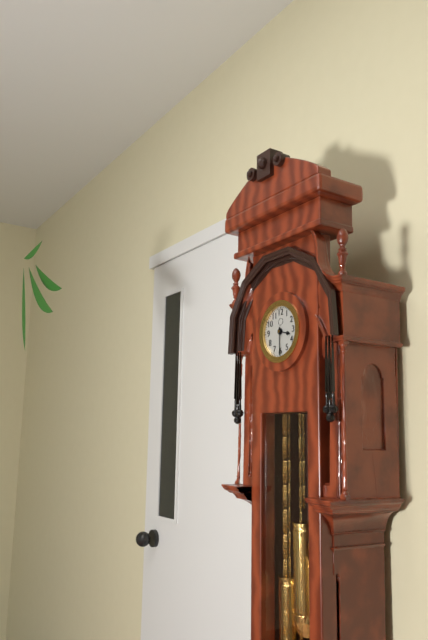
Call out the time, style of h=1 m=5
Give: h=3 m=30
